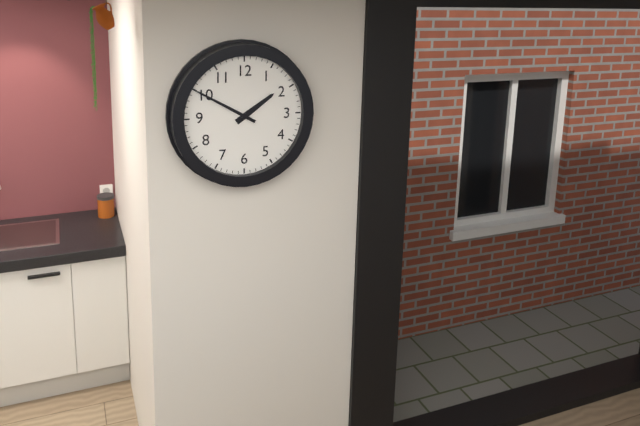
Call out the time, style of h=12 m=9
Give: h=1 m=50
